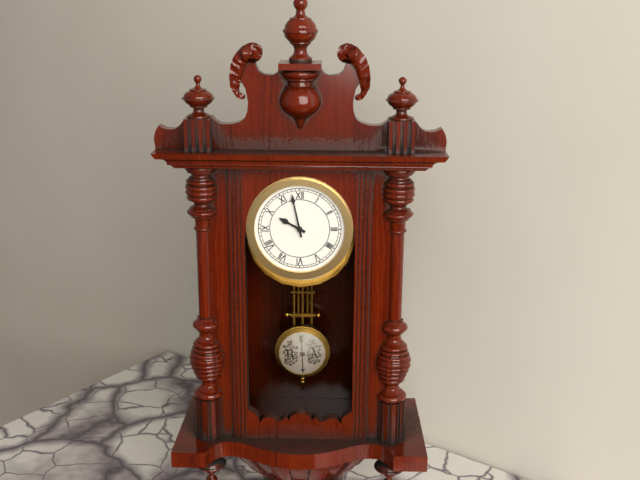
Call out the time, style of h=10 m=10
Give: h=9 m=58
